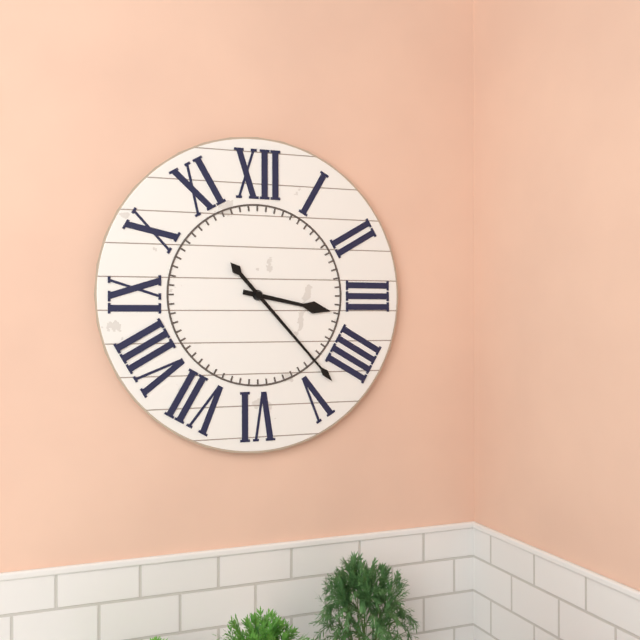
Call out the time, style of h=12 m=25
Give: h=3 m=23
